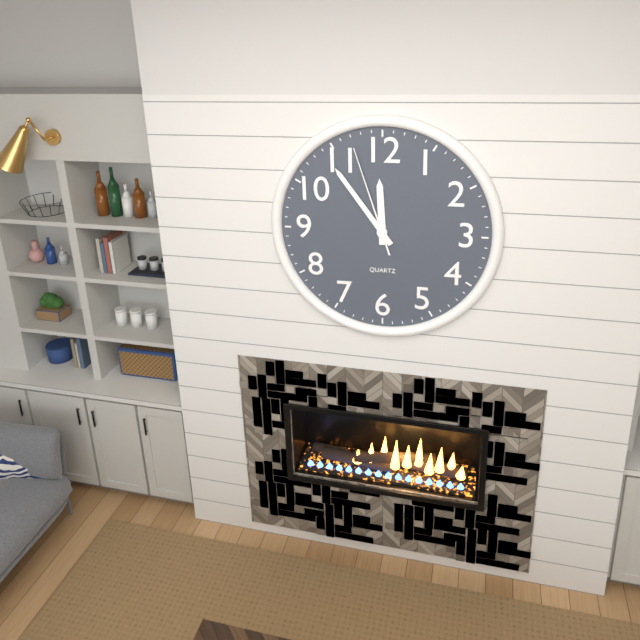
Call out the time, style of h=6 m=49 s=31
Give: h=11 m=54 s=57
